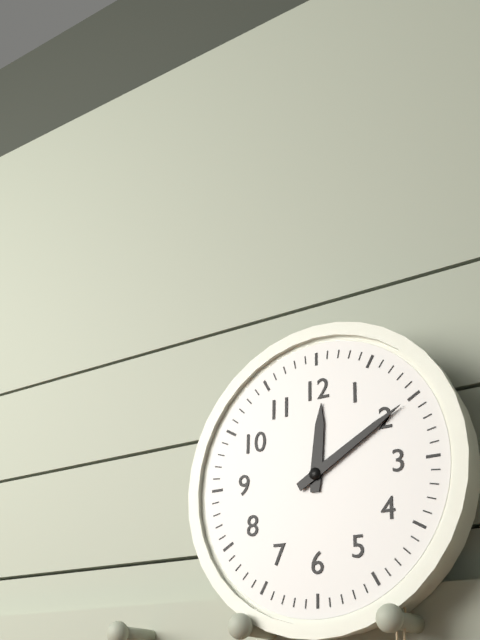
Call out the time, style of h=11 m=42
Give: h=12 m=10
